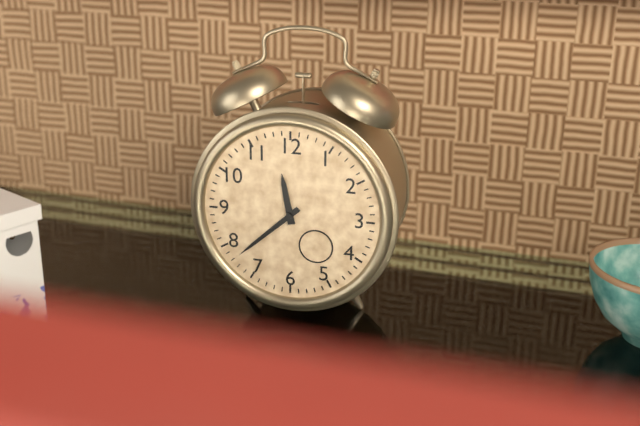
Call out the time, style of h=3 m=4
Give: h=11 m=38
